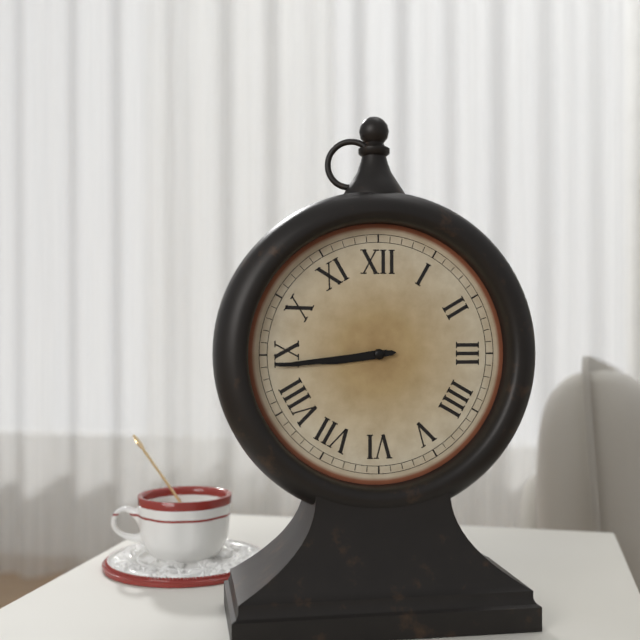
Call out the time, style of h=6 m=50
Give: h=8 m=44
